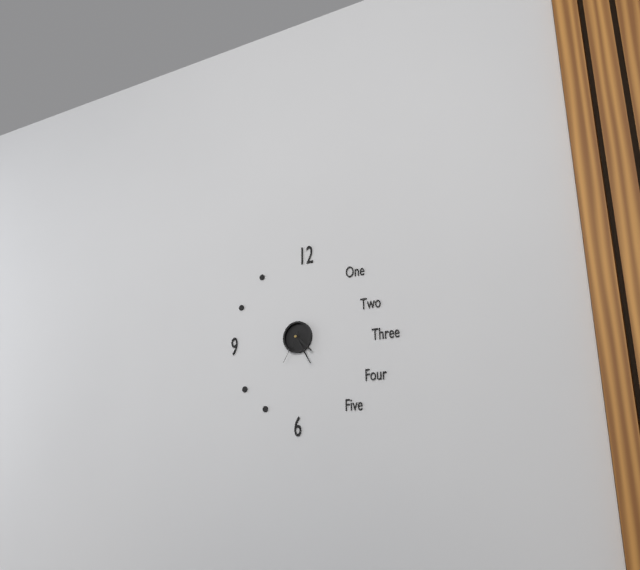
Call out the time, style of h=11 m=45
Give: h=4 m=25
